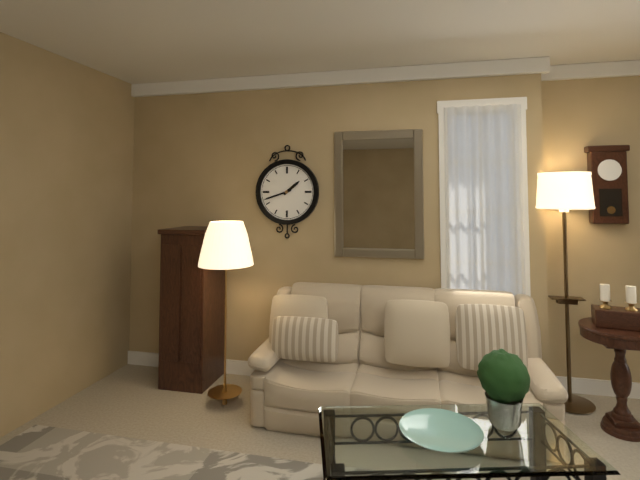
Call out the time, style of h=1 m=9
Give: h=1 m=42
